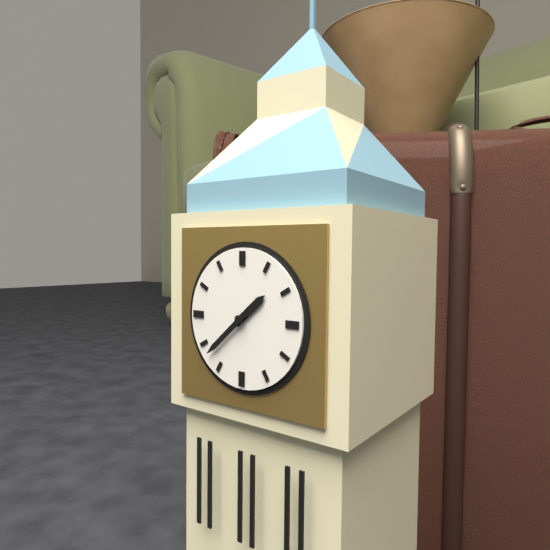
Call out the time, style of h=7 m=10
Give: h=1 m=38
